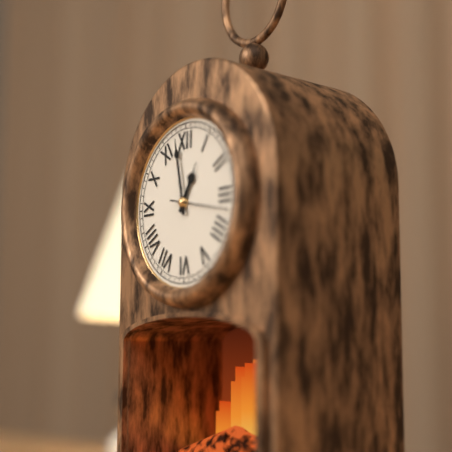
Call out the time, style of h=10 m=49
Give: h=12 m=58
